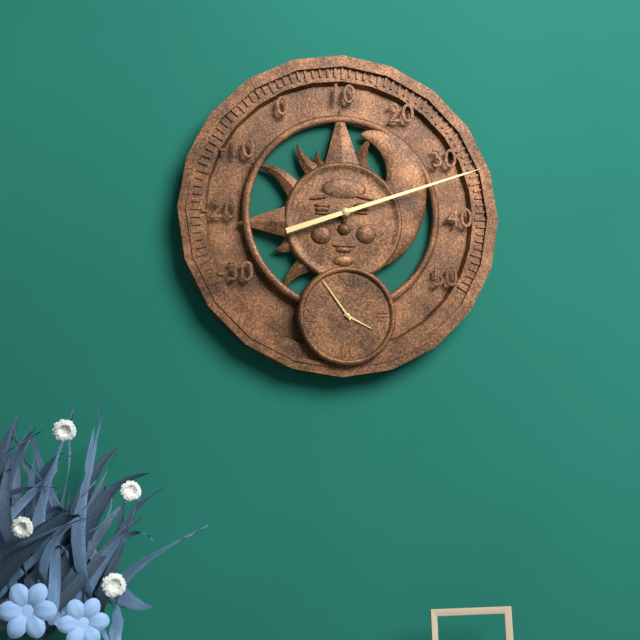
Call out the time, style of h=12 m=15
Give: h=3 m=54
